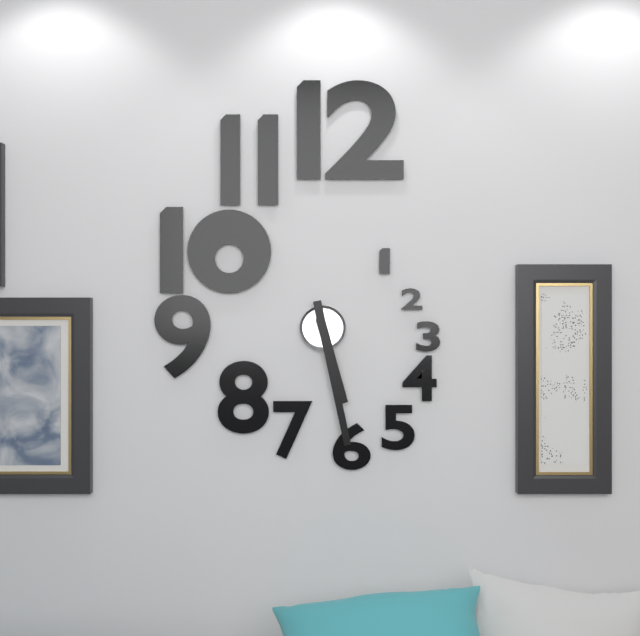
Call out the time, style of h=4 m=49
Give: h=5 m=28
